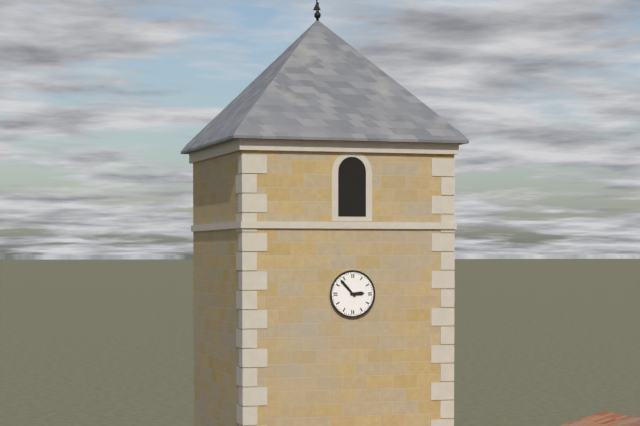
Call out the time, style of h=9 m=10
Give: h=2 m=53
